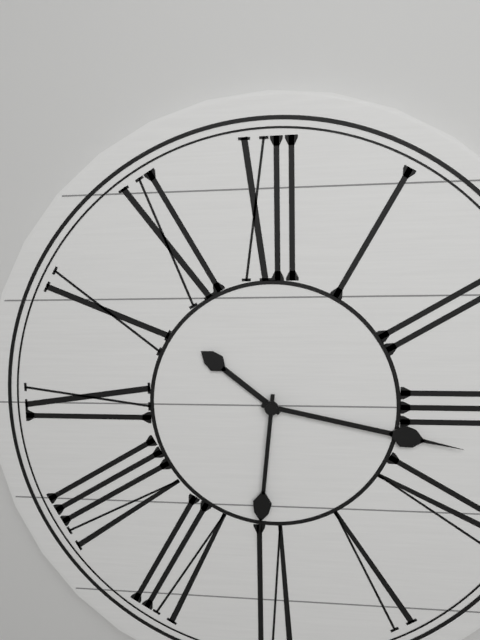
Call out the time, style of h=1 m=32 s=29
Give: h=10 m=17 s=31
